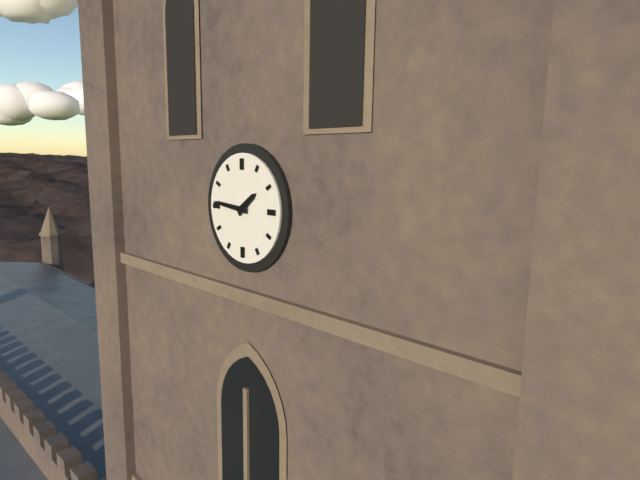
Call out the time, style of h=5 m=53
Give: h=1 m=46
